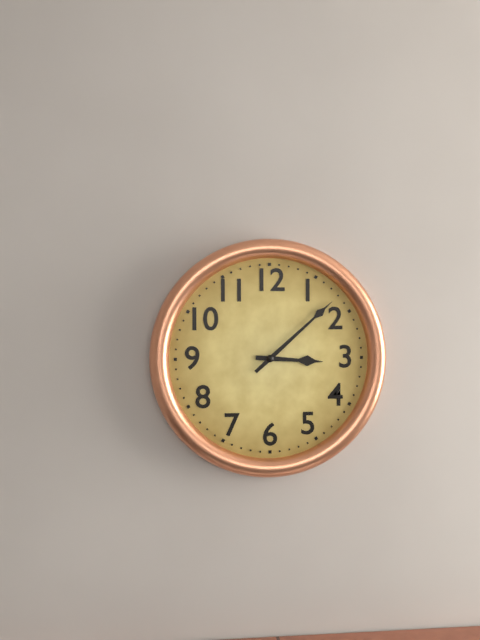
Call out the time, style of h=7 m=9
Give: h=3 m=8
